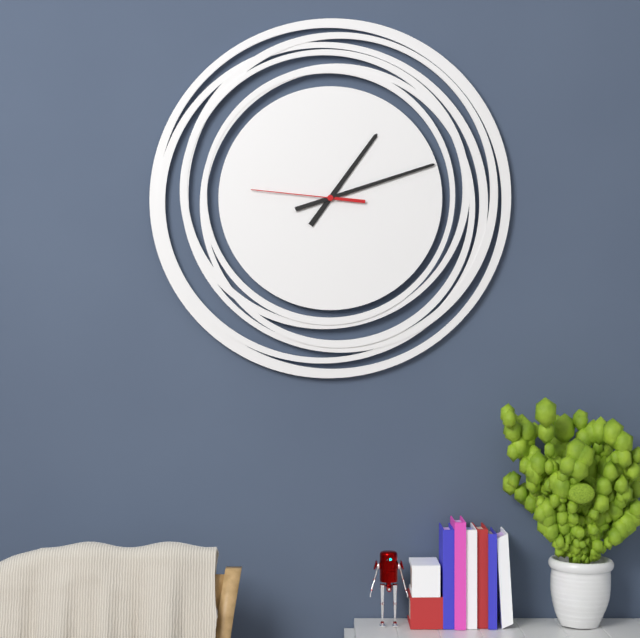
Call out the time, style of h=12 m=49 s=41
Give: h=1 m=12 s=46
